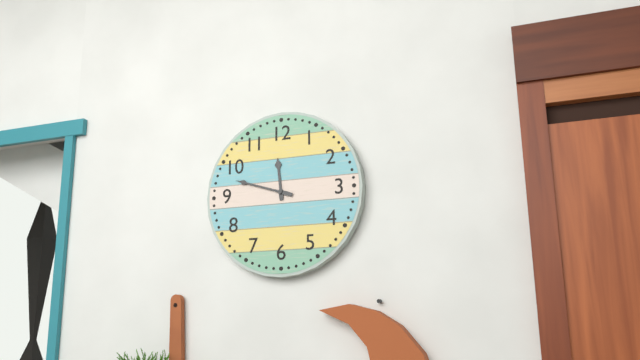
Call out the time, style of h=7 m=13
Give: h=11 m=48
